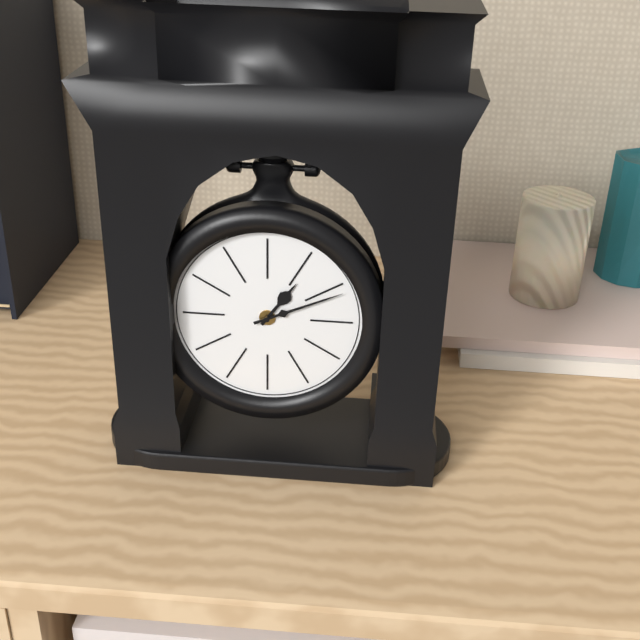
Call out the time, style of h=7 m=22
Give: h=1 m=11
